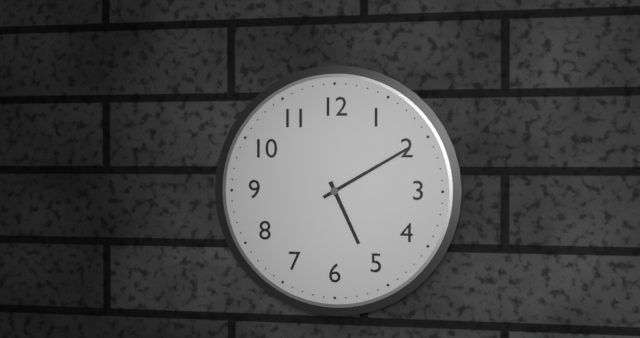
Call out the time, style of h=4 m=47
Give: h=5 m=10
